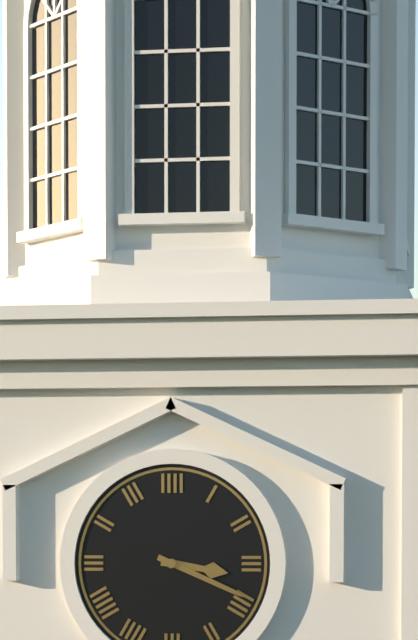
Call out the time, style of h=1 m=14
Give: h=3 m=19
